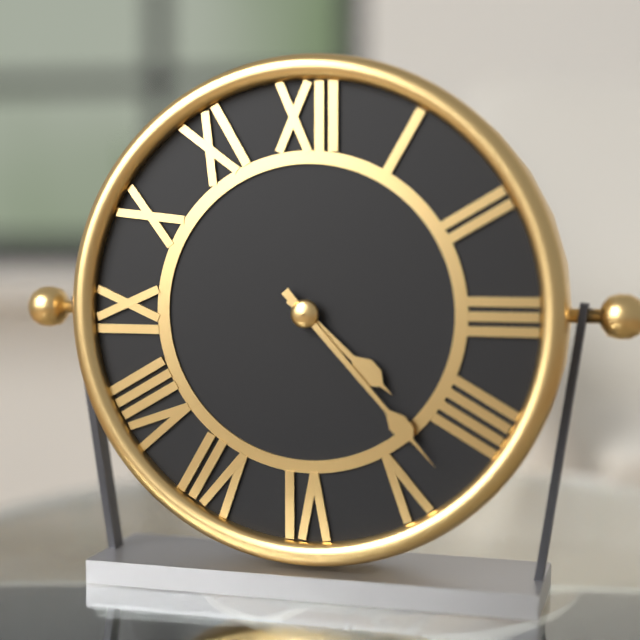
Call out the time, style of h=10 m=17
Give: h=4 m=23
